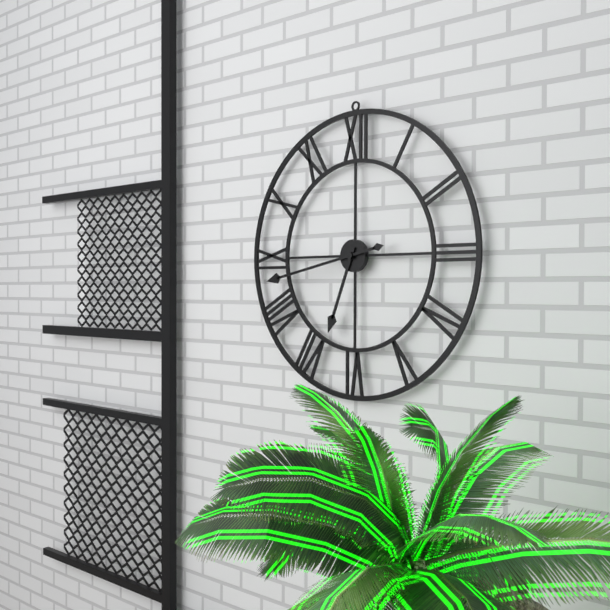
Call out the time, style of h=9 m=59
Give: h=6 m=43
